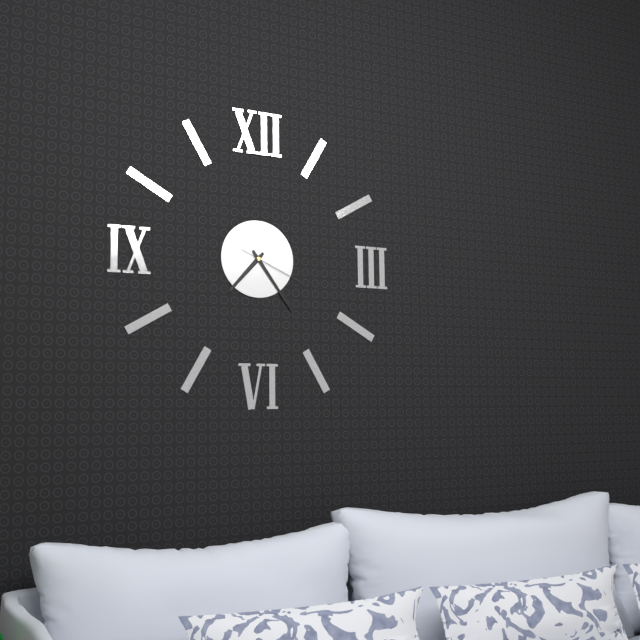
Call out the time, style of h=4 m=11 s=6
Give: h=7 m=24 s=19
